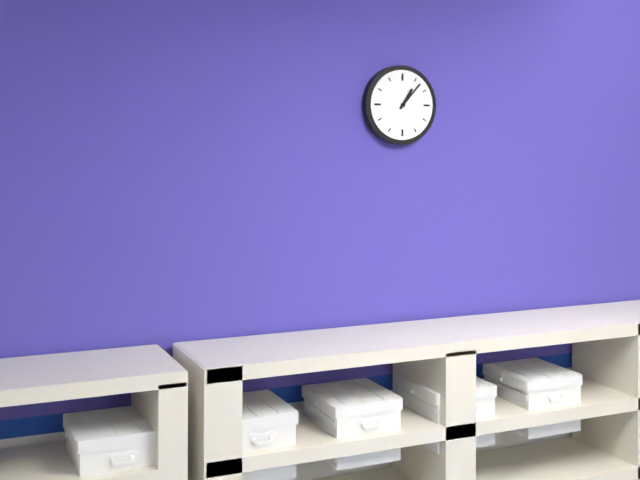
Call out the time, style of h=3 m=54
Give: h=1 m=7
